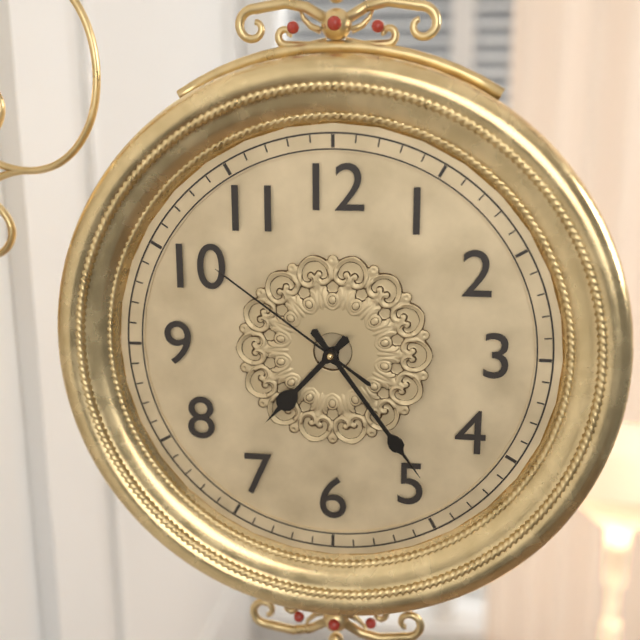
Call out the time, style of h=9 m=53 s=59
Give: h=7 m=24 s=51
